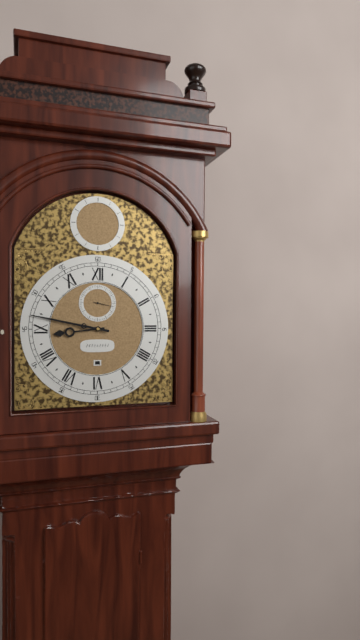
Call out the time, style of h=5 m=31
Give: h=8 m=47
